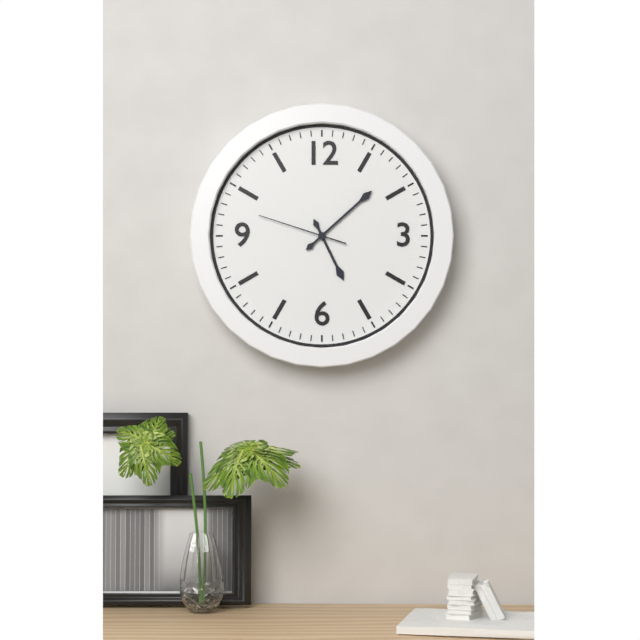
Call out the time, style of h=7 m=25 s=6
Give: h=5 m=8 s=48
